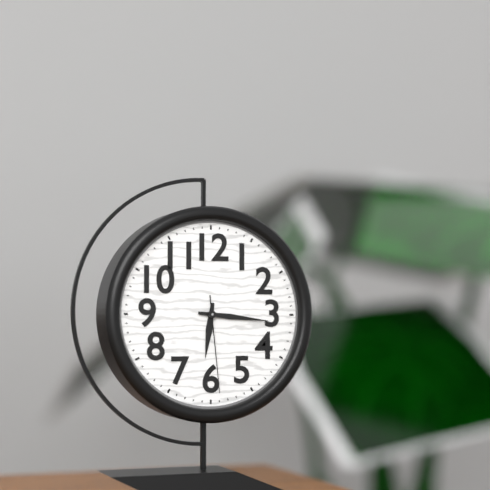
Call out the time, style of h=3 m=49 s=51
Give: h=6 m=16 s=29
